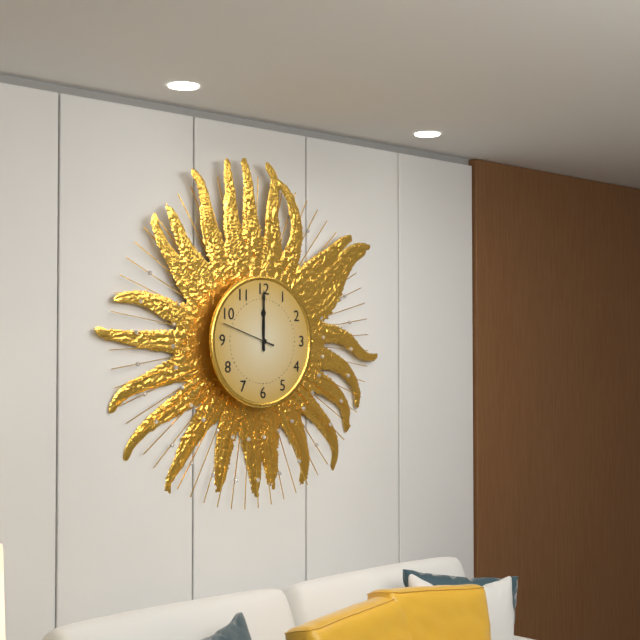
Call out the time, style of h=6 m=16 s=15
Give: h=12 m=0 s=48
